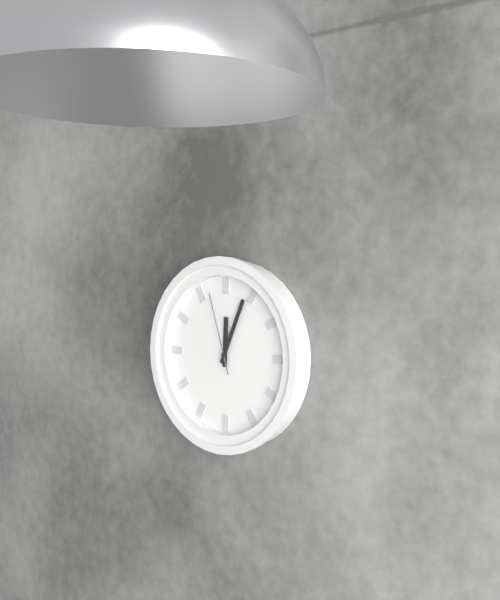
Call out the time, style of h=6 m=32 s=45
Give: h=12 m=4 s=57
